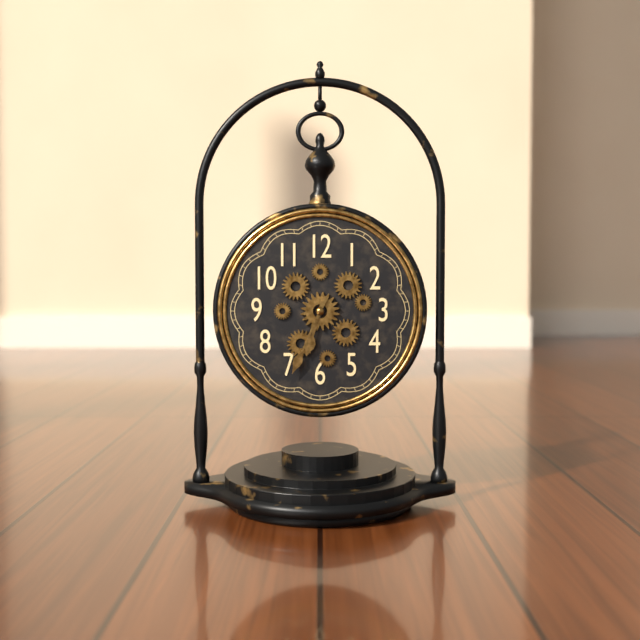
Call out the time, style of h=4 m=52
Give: h=6 m=34
